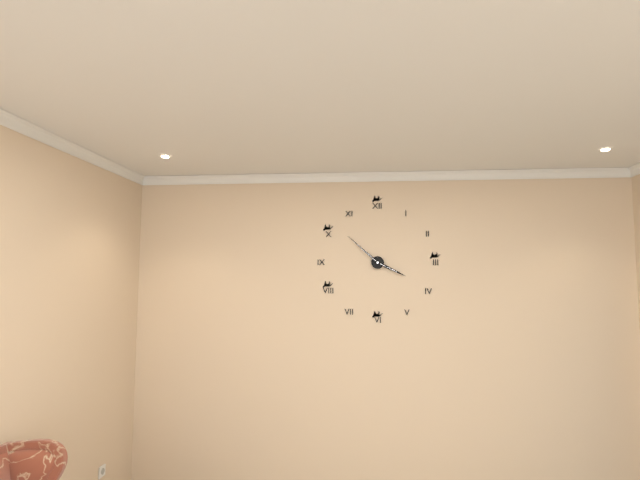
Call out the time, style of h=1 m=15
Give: h=3 m=52
